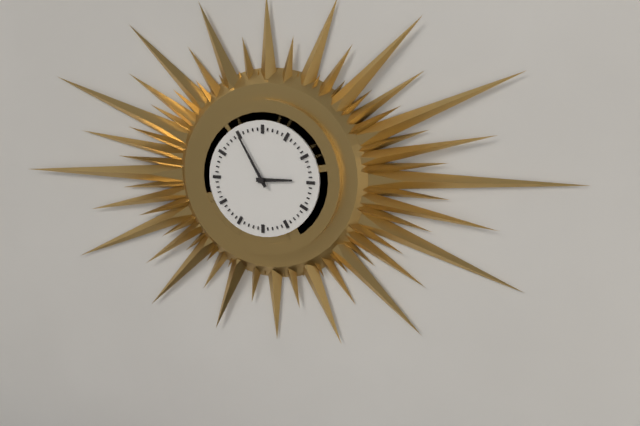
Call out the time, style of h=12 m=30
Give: h=2 m=55
